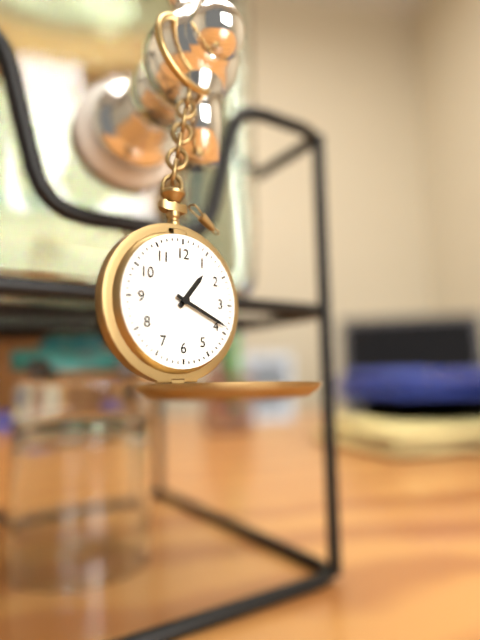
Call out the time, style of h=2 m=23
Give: h=1 m=19
